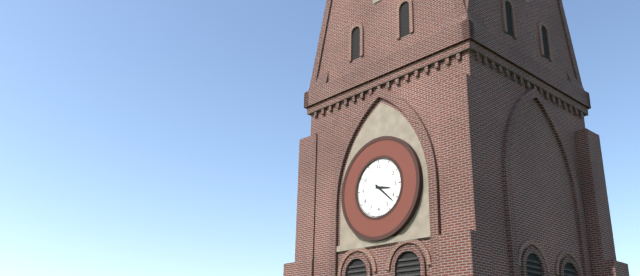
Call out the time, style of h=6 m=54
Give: h=3 m=22
